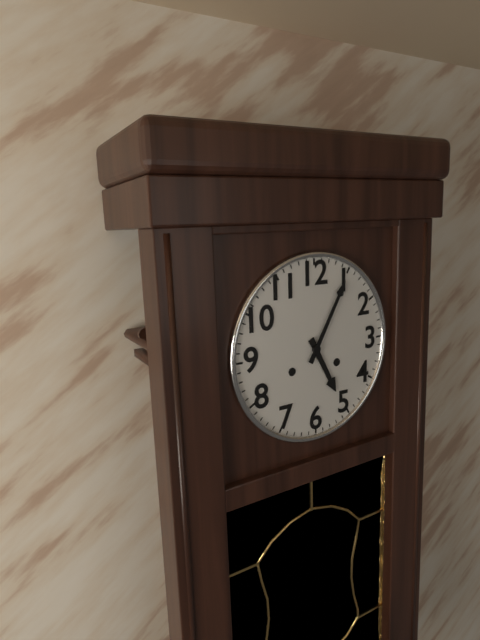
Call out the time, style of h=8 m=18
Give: h=5 m=5
